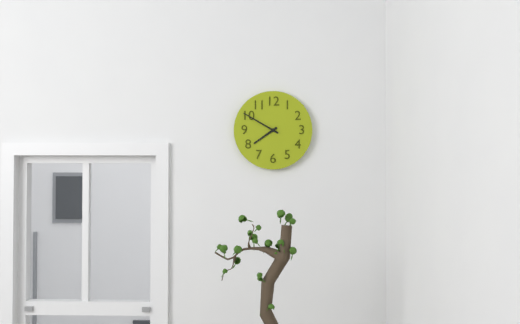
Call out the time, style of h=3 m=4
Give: h=7 m=50
